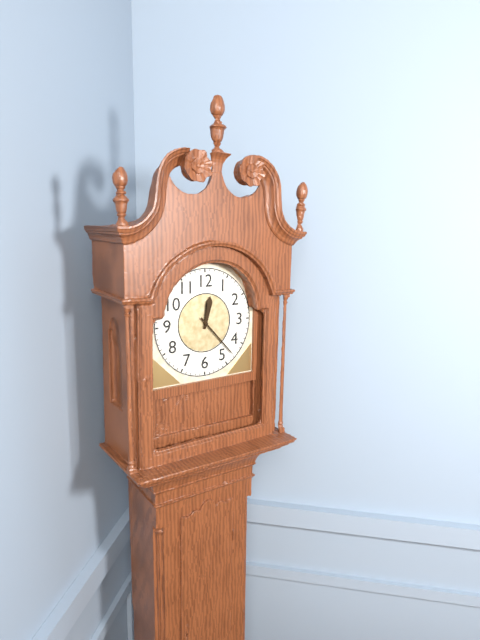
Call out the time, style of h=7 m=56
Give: h=12 m=23
